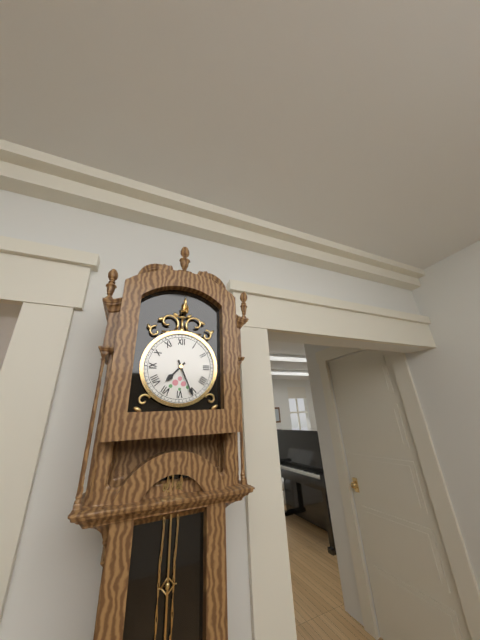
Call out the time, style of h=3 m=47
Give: h=7 m=26
